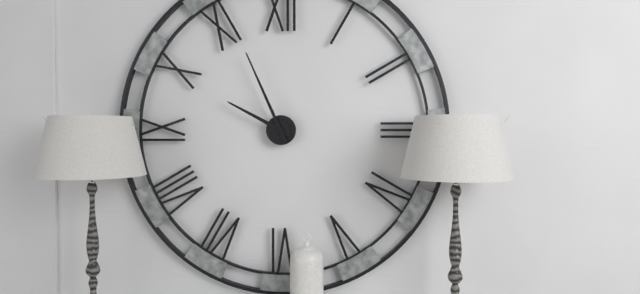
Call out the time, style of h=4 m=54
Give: h=9 m=56
